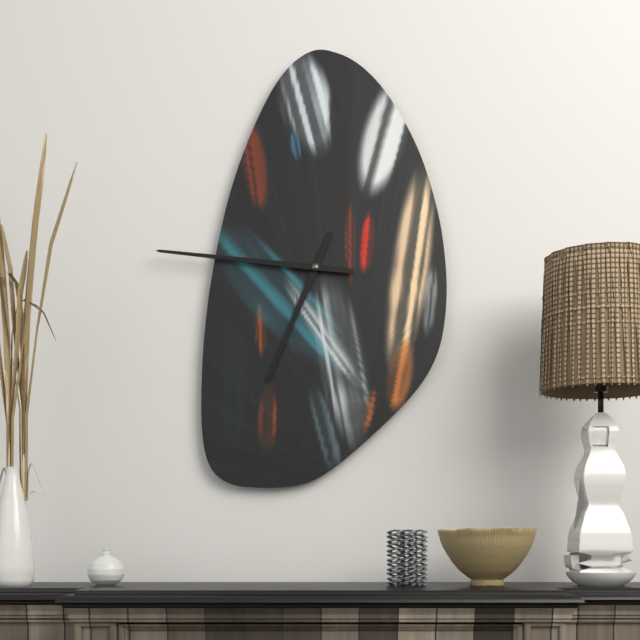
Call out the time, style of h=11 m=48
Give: h=6 m=46
